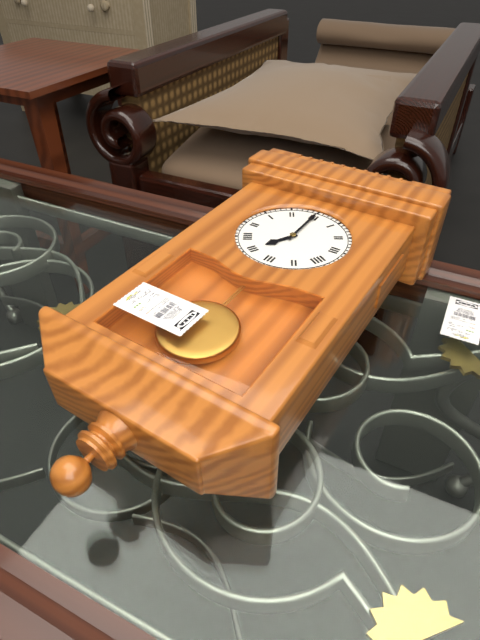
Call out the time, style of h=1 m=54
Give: h=7 m=0
